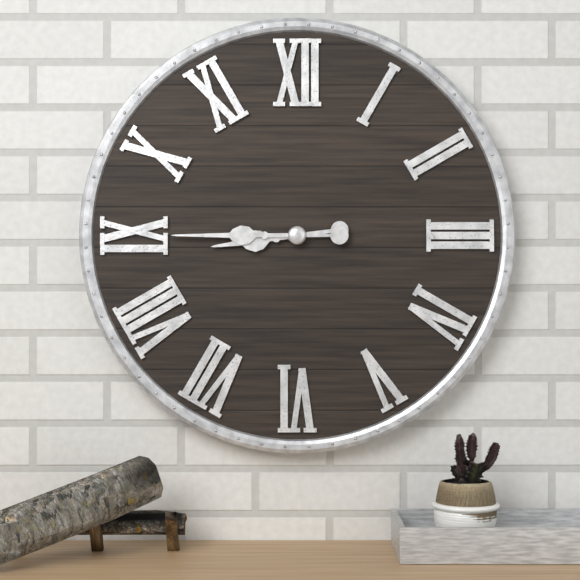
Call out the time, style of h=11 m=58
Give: h=8 m=45
